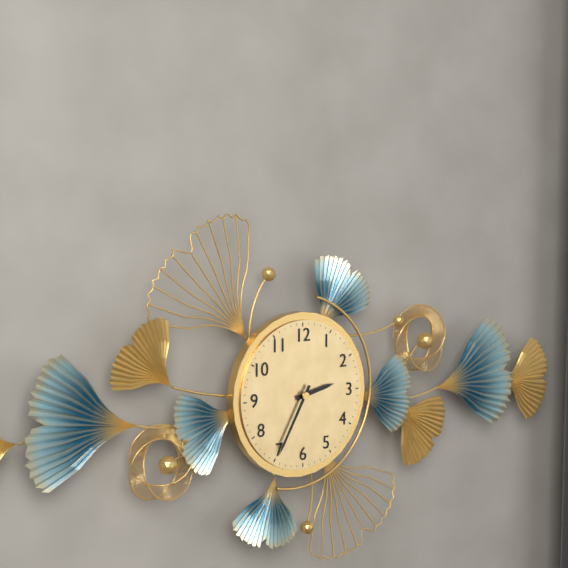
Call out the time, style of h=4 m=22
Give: h=2 m=35
